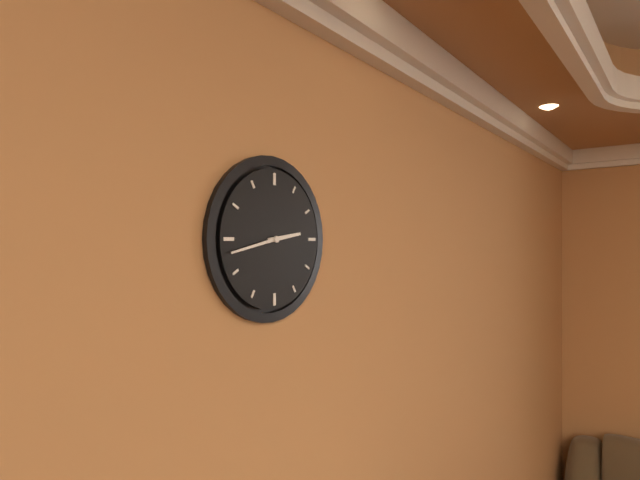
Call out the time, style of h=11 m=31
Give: h=2 m=43
